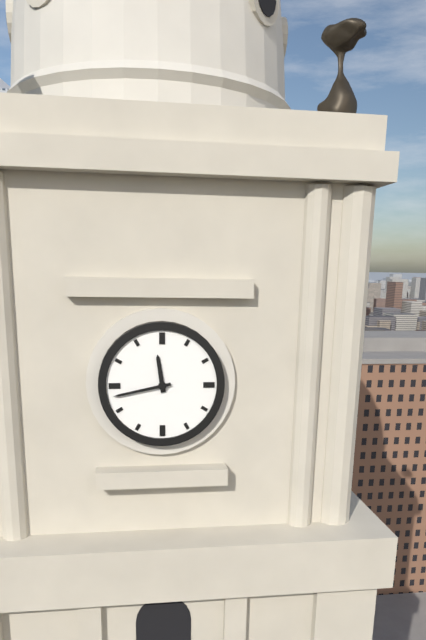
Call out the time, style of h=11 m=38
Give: h=11 m=43
